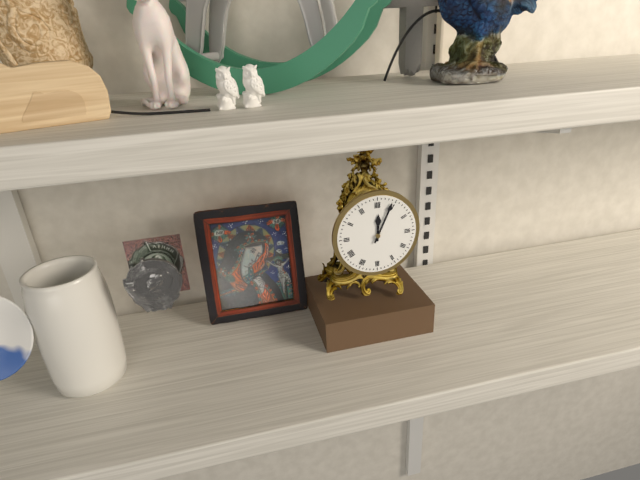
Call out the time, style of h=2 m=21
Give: h=12 m=4
